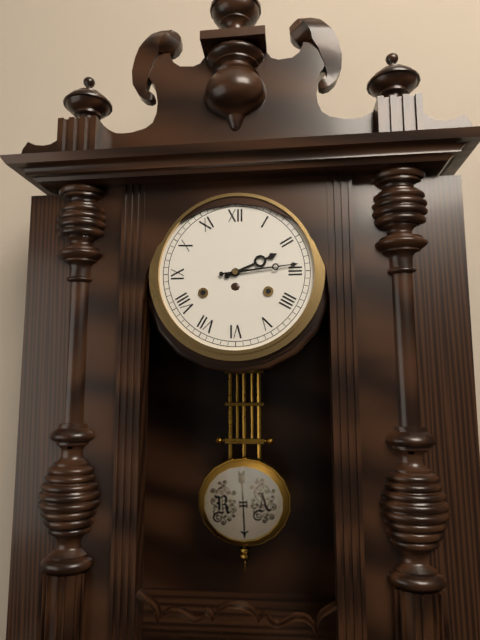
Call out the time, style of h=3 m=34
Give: h=2 m=14
